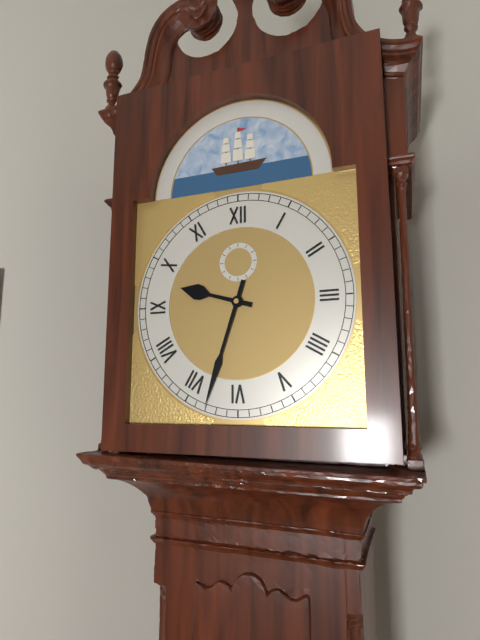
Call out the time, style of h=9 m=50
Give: h=9 m=33
